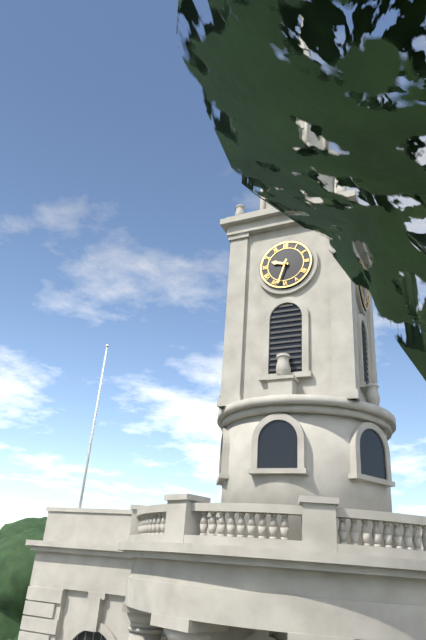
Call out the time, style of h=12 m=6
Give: h=9 m=33
